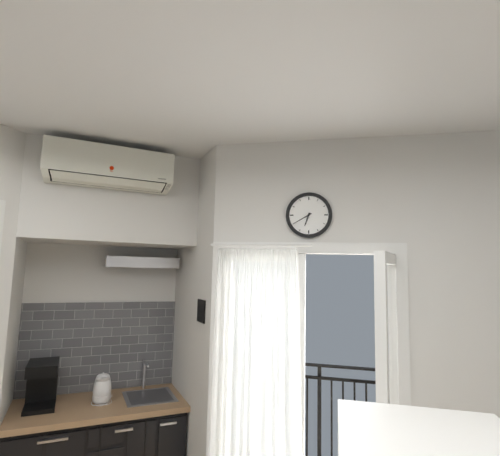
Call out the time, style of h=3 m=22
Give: h=6 m=40
